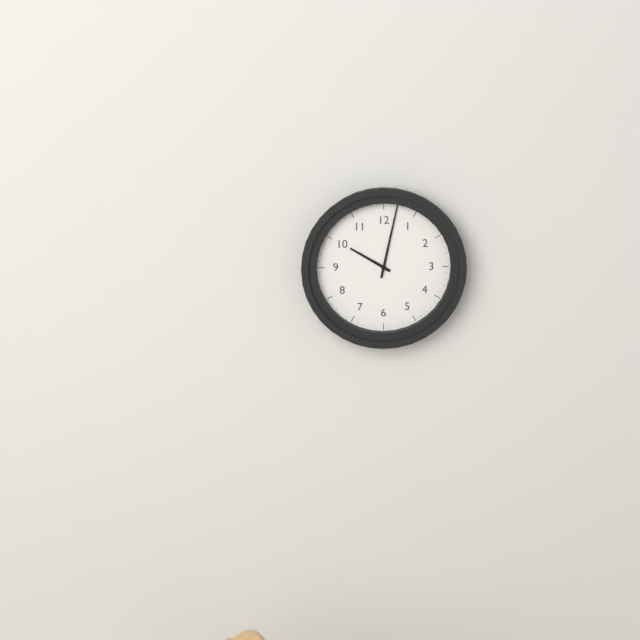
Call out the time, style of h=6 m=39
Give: h=10 m=2
